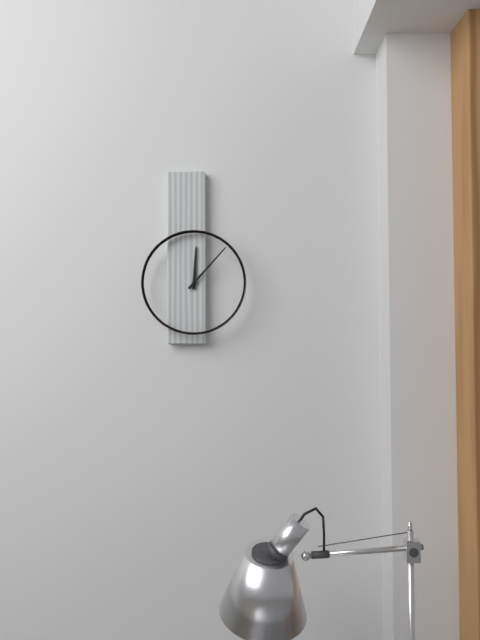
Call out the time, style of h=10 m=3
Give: h=12 m=7
